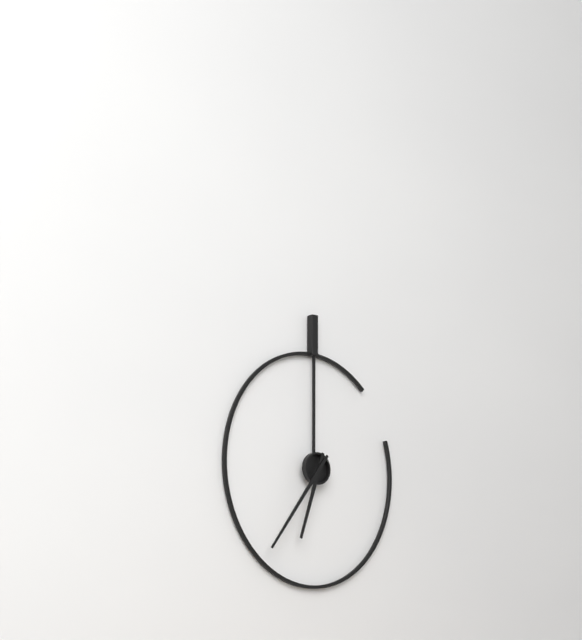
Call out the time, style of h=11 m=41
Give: h=6 m=36
